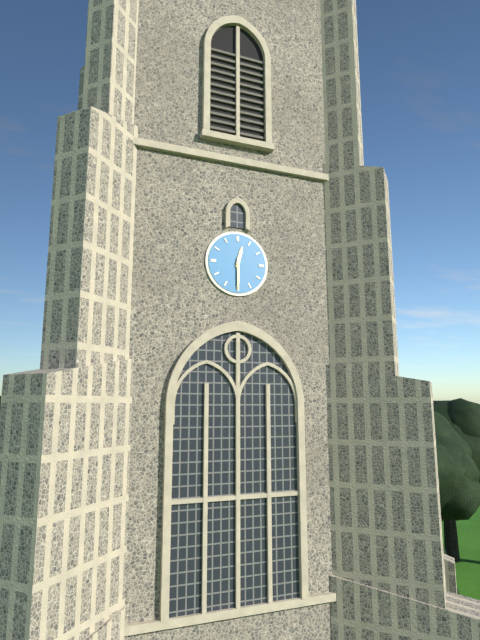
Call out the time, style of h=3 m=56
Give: h=12 m=30
